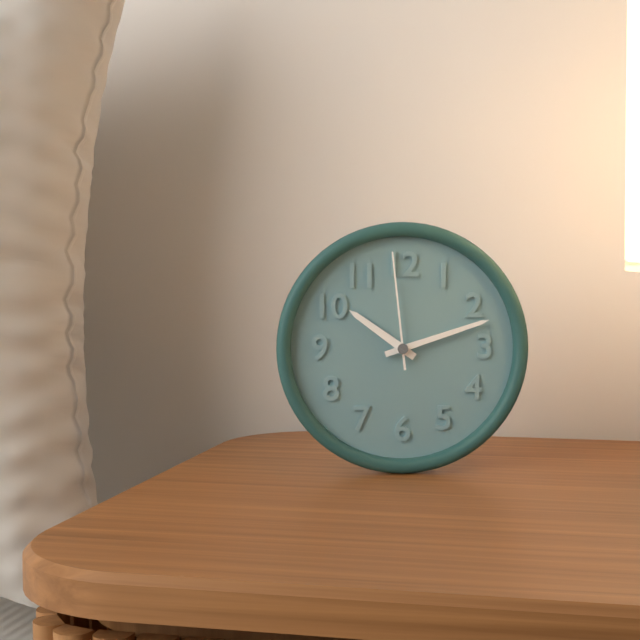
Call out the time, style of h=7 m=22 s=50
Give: h=10 m=12 s=59
